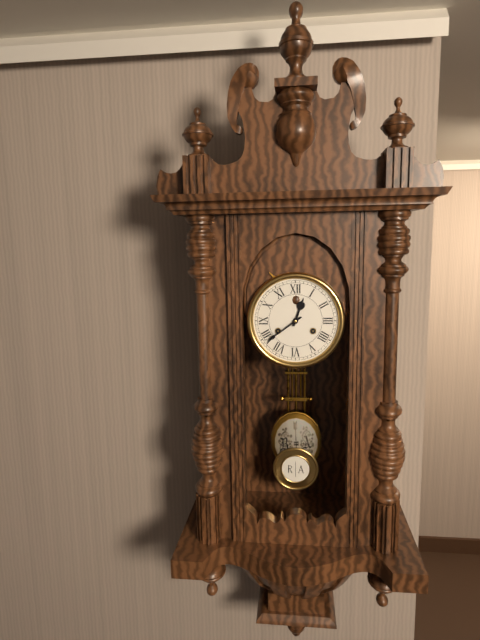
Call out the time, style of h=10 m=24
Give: h=12 m=39
